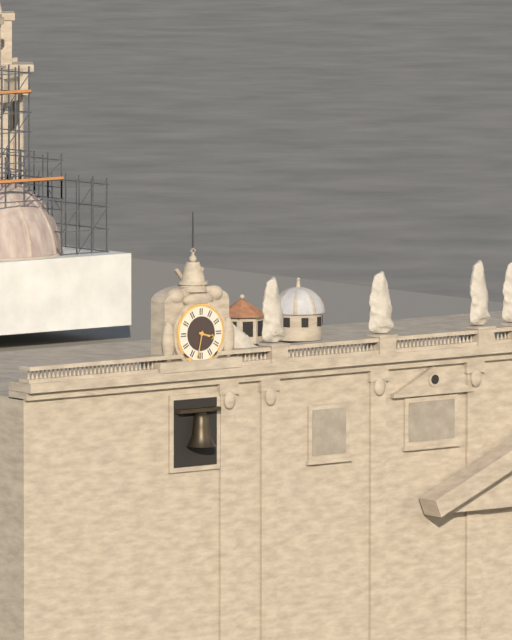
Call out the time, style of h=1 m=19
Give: h=3 m=32
